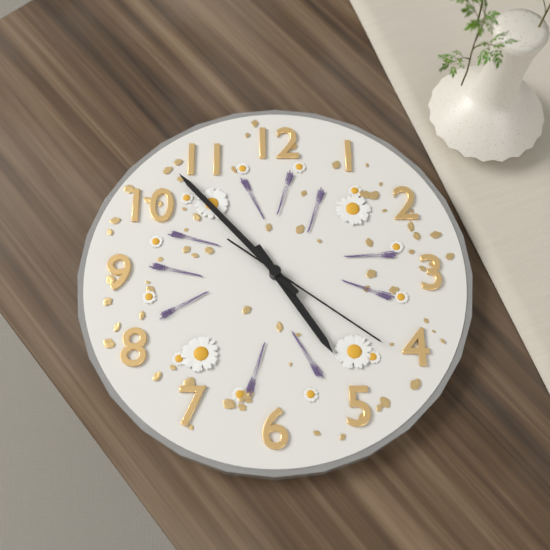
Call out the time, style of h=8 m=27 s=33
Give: h=4 m=53 s=21
